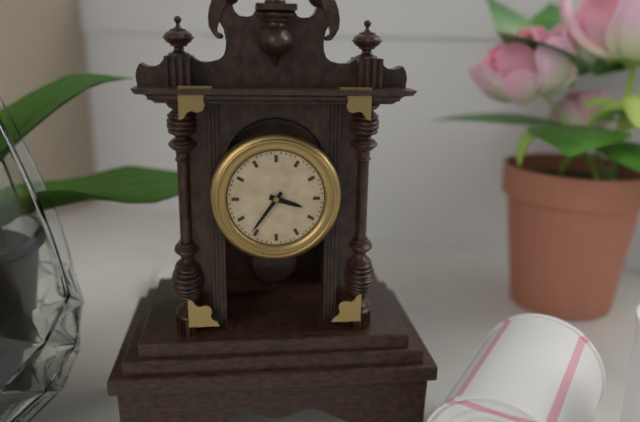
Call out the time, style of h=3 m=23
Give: h=3 m=36
